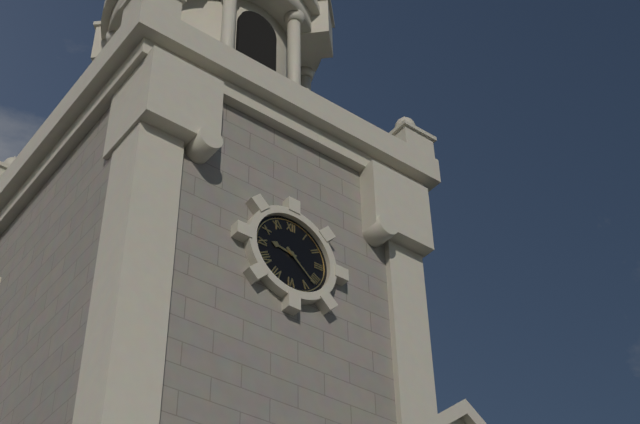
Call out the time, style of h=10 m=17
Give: h=9 m=22
